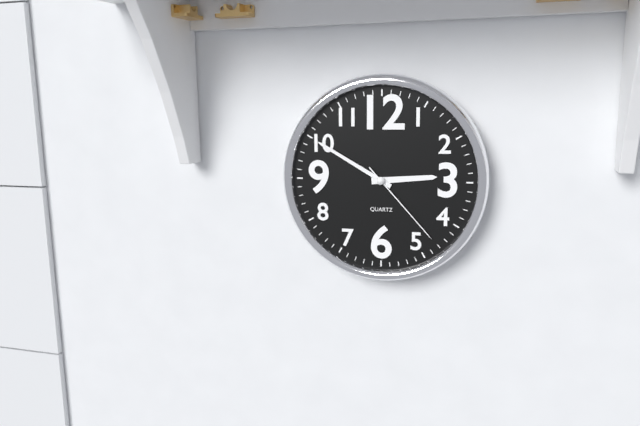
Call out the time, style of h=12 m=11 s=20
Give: h=2 m=50 s=23
